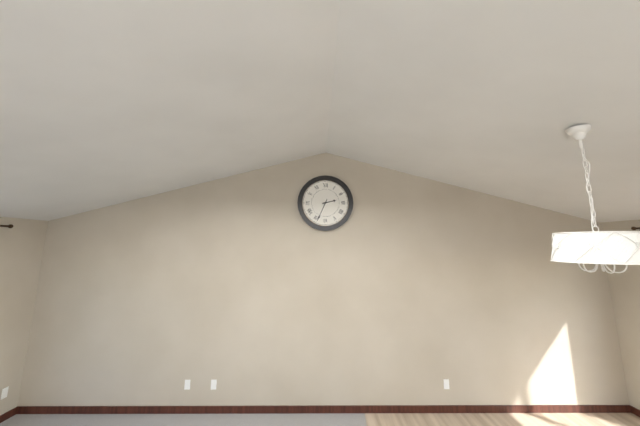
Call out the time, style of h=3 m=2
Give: h=2 m=34
